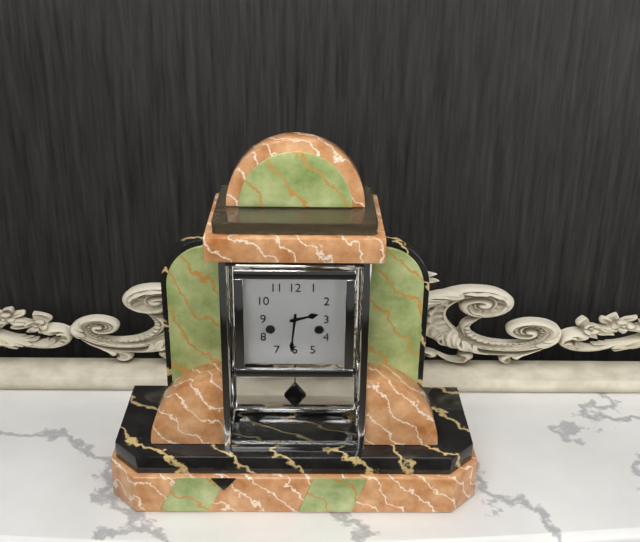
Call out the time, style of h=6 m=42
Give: h=2 m=31
